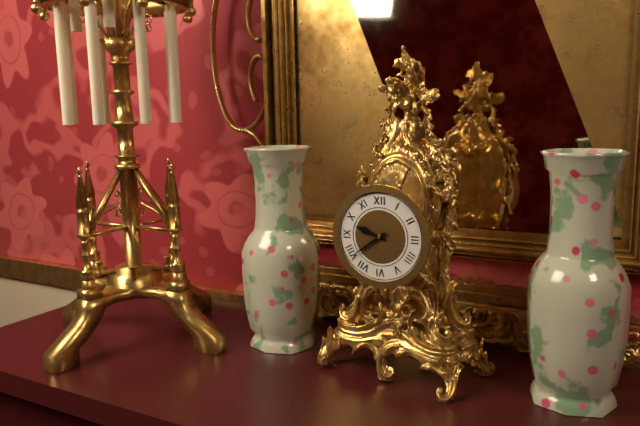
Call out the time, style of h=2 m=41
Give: h=9 m=39
